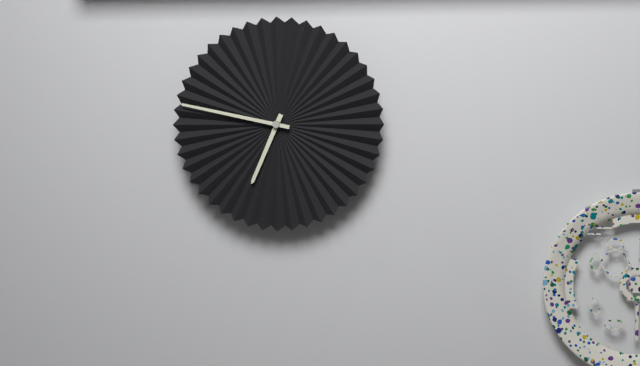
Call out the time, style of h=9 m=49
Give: h=6 m=47
